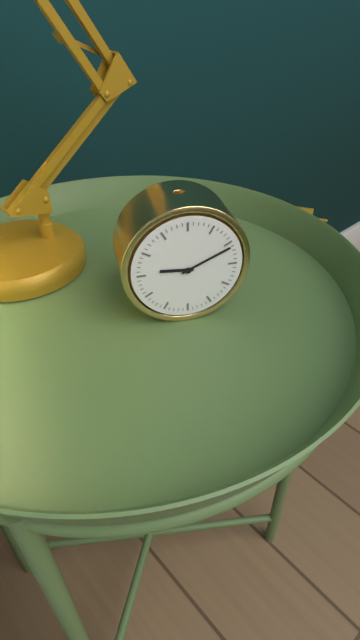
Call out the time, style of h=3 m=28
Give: h=9 m=11
